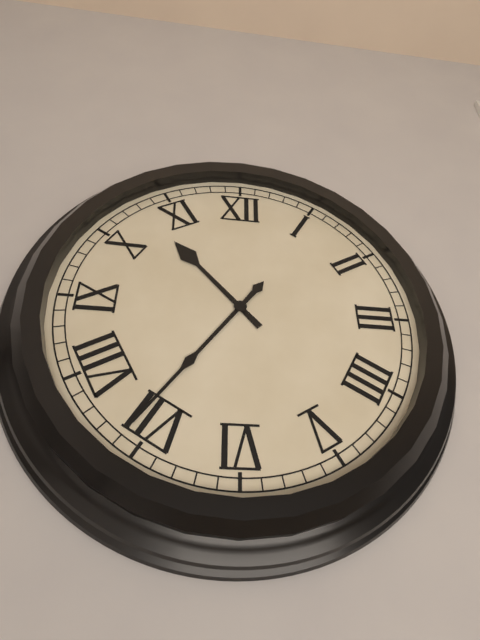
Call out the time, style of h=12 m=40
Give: h=10 m=36
